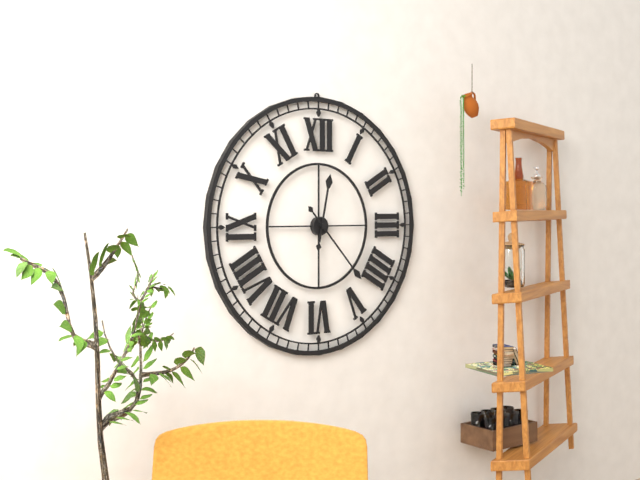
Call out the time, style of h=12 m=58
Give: h=12 m=23
